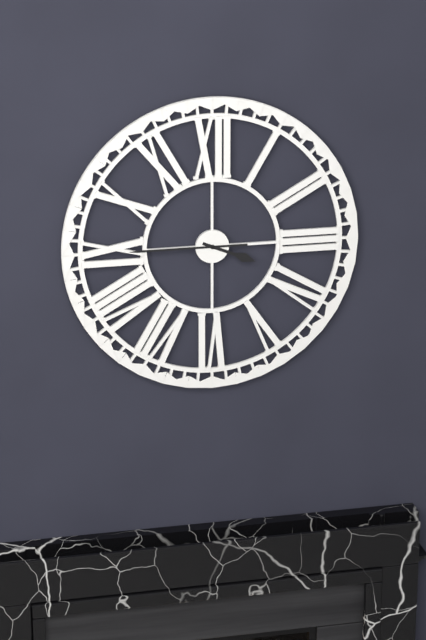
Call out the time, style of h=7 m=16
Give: h=3 m=45
